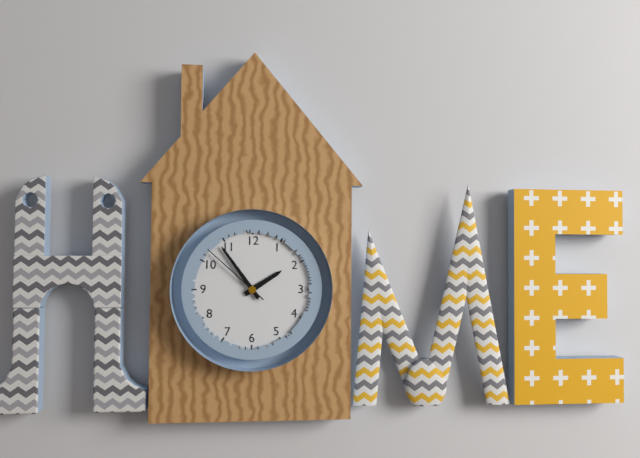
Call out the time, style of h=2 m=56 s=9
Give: h=1 m=54 s=52
